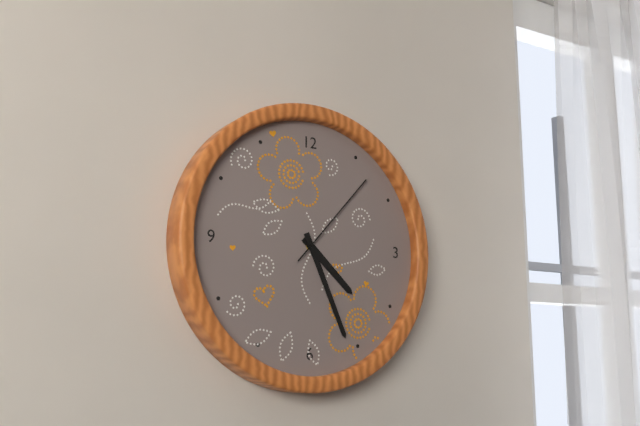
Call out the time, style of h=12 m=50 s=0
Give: h=4 m=26 s=7
